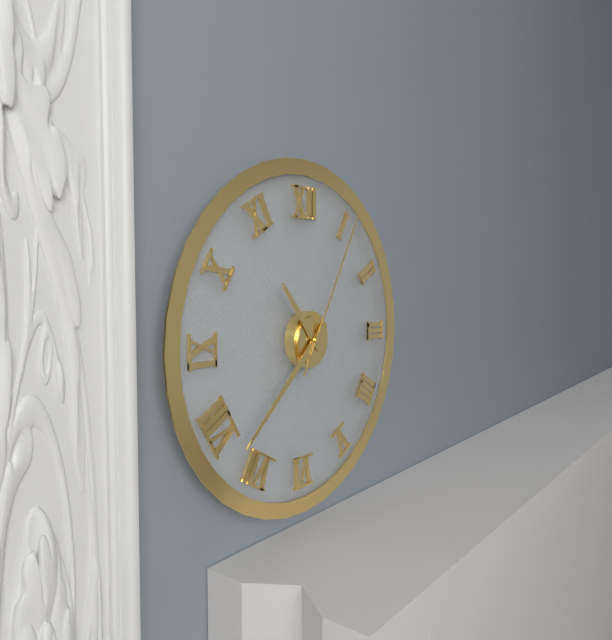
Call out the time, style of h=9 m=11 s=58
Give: h=10 m=38 s=5
